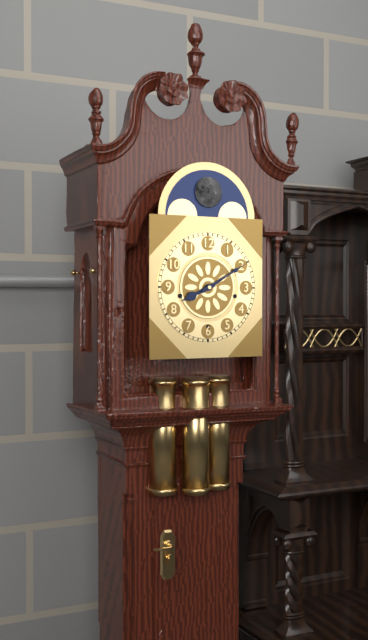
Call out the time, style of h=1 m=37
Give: h=8 m=10
